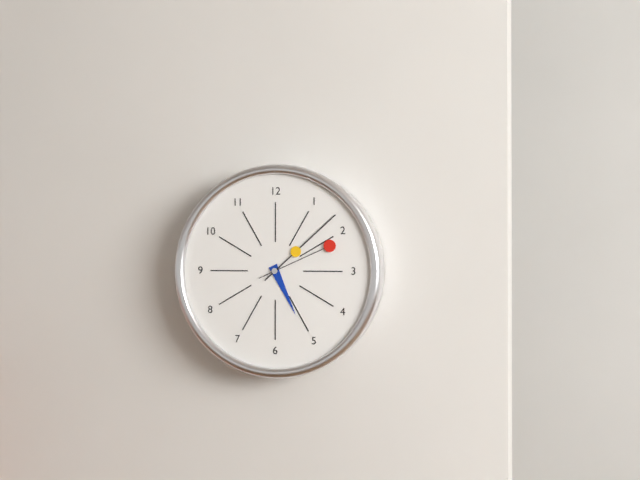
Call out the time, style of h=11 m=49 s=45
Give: h=5 m=8 s=11
